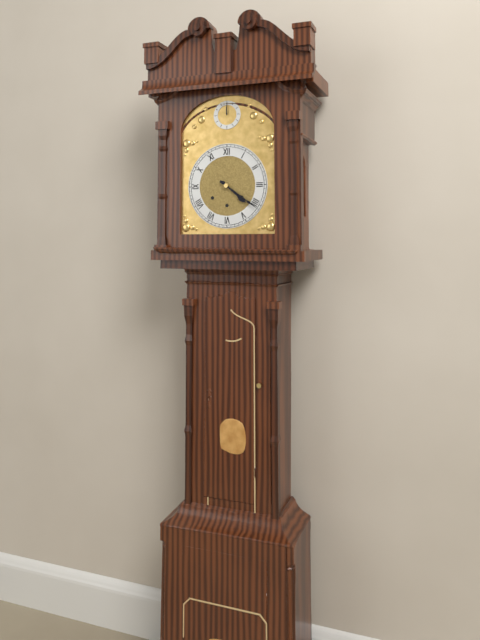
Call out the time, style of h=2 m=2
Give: h=4 m=21
